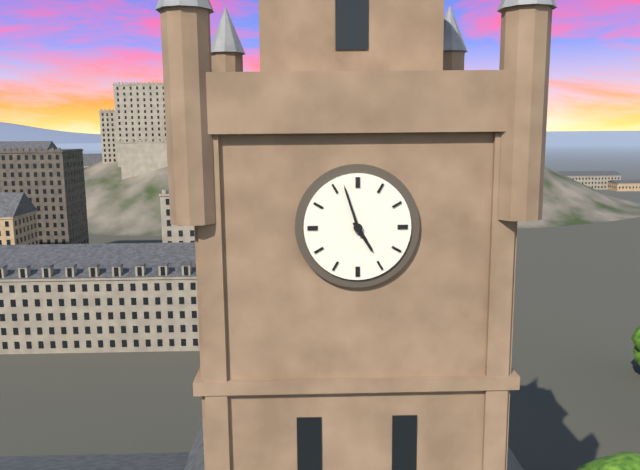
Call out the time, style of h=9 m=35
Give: h=4 m=57
